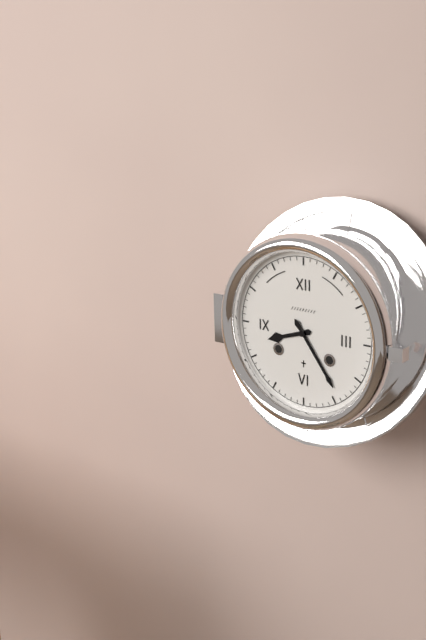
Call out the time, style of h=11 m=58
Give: h=8 m=24
